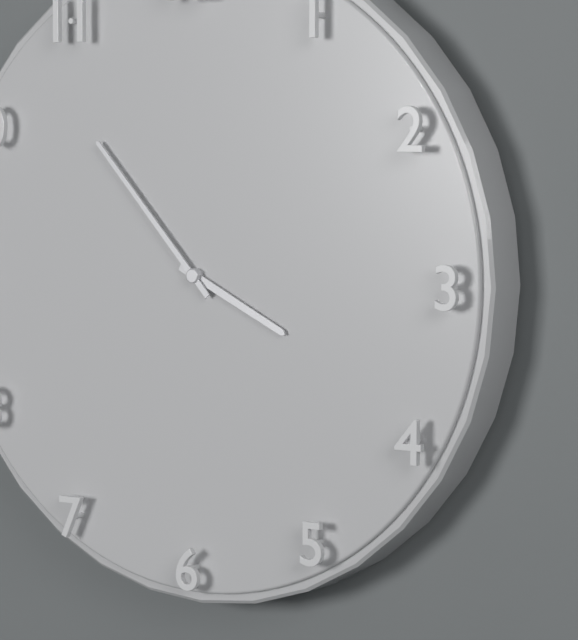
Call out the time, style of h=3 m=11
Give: h=3 m=53
